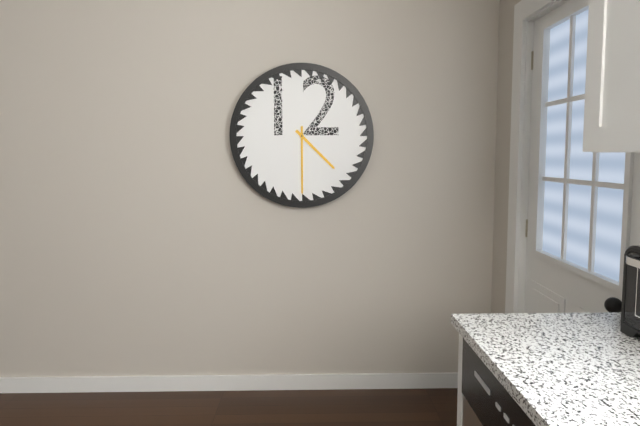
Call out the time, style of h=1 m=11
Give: h=4 m=30
